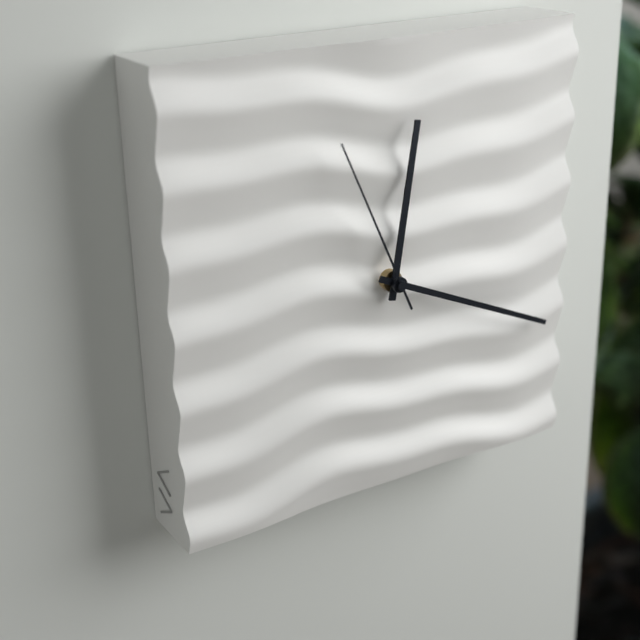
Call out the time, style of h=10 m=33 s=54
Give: h=12 m=19 s=56
